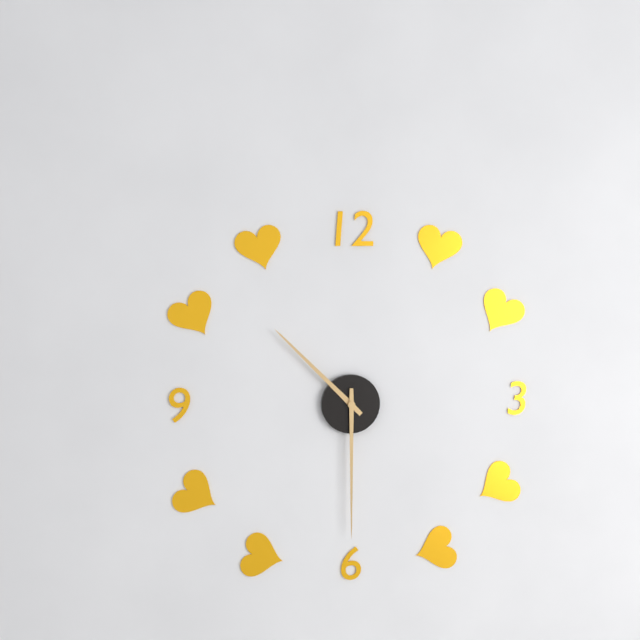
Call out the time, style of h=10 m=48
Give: h=10 m=30
